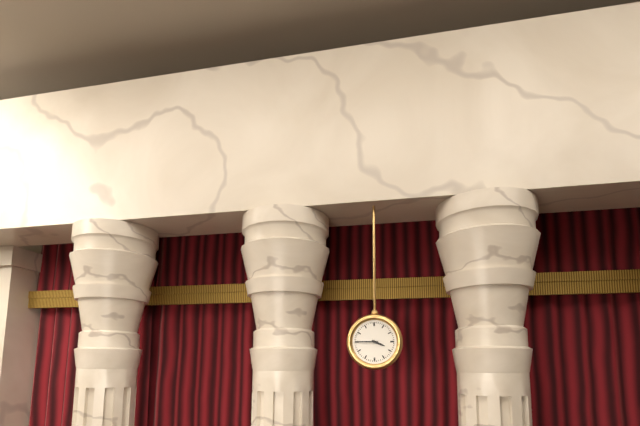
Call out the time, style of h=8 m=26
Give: h=3 m=45
